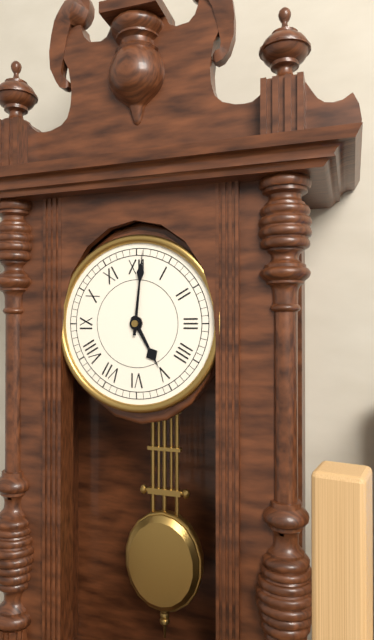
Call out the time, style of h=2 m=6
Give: h=5 m=1
